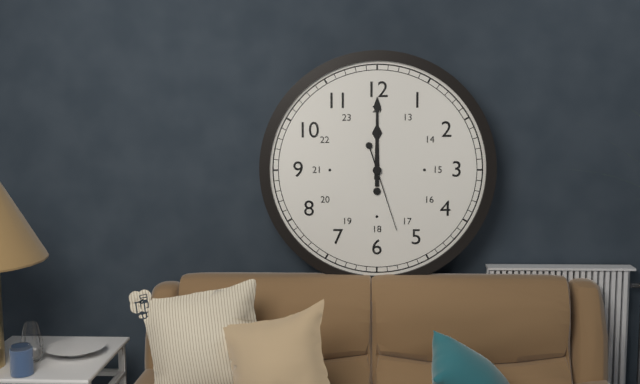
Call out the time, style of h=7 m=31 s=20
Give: h=12 m=0 s=27
